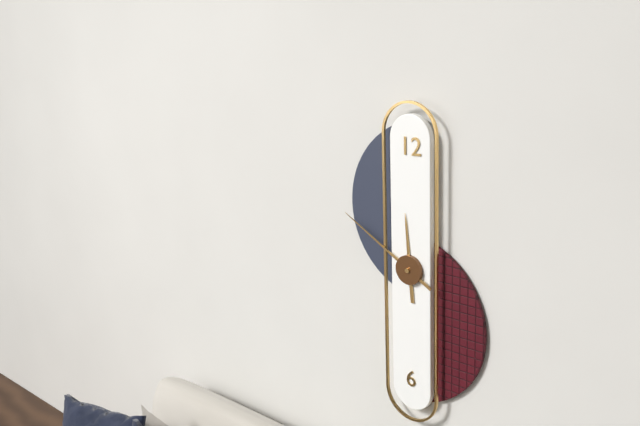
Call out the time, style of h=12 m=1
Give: h=11 m=50
